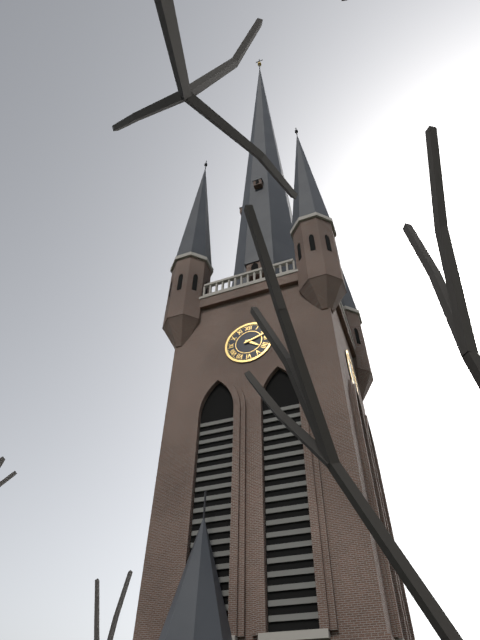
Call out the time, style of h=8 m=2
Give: h=4 m=12
